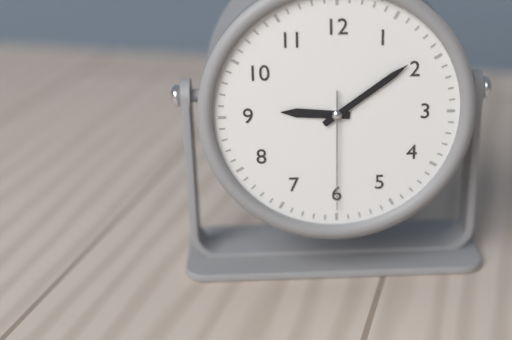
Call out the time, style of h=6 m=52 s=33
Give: h=9 m=9 s=30
